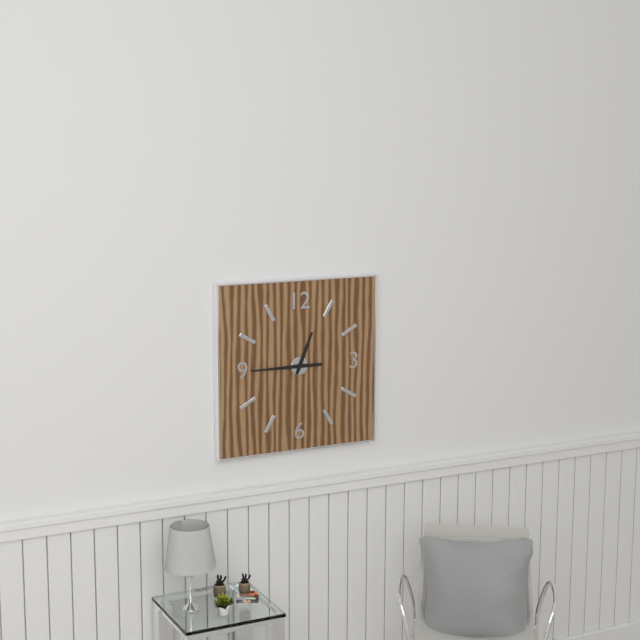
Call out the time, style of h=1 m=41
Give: h=12 m=45
